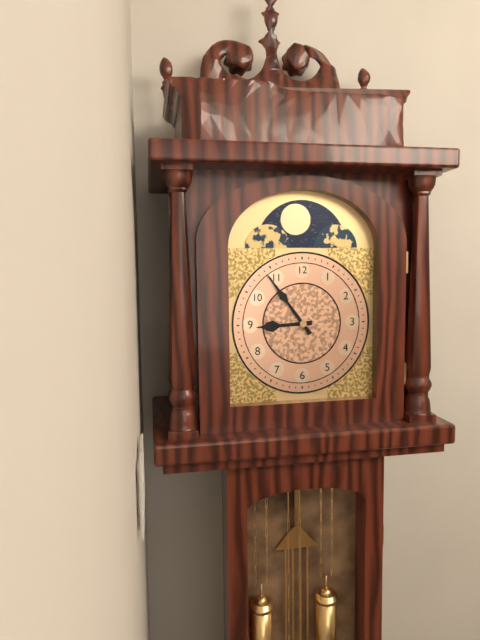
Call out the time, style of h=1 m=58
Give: h=8 m=54
